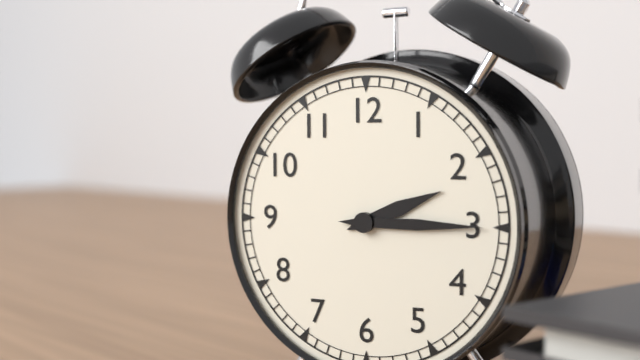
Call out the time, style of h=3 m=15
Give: h=2 m=15
